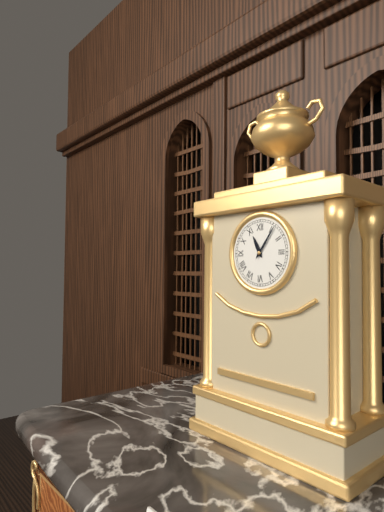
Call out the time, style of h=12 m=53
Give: h=11 m=6
